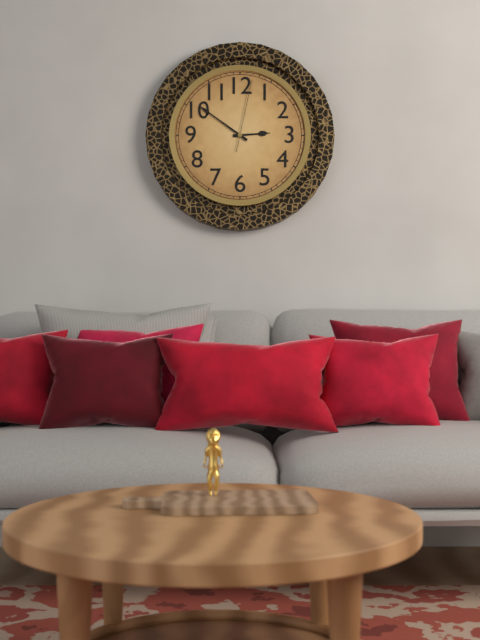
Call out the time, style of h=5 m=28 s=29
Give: h=2 m=51 s=2
